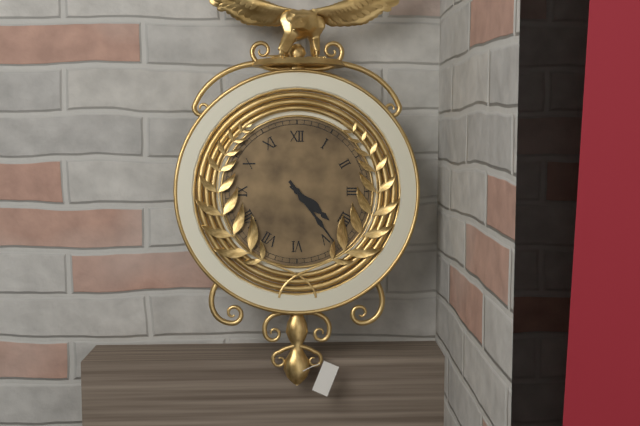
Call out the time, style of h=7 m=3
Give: h=4 m=24
